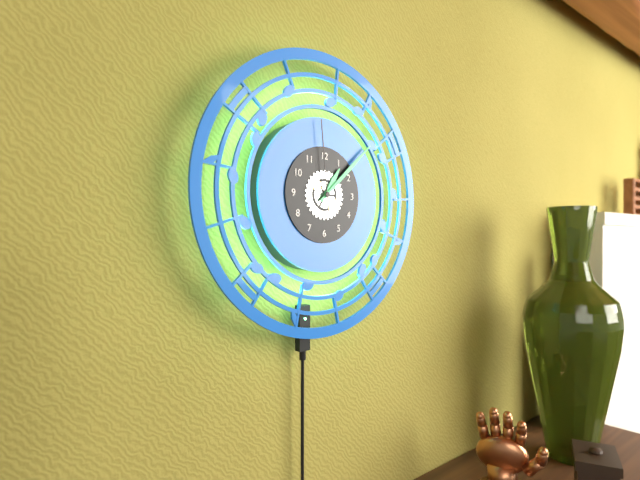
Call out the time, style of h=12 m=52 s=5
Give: h=1 m=8 s=59
